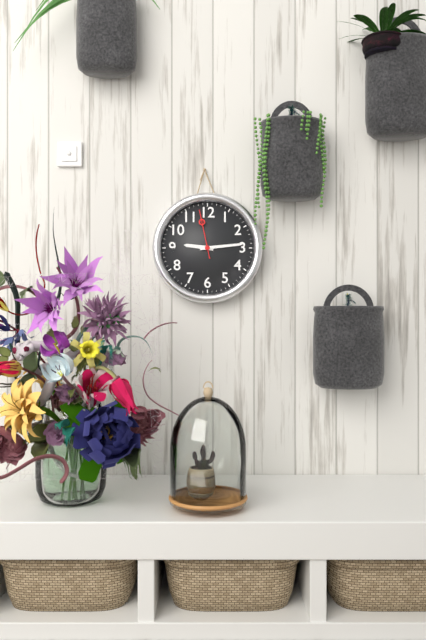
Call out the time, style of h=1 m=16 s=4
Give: h=9 m=14 s=58
